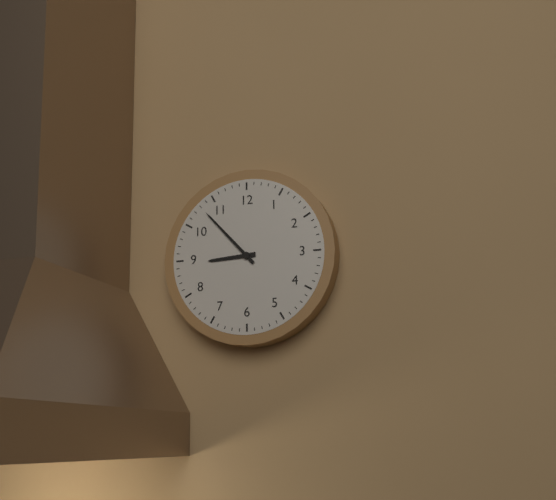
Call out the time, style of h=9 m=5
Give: h=8 m=53
